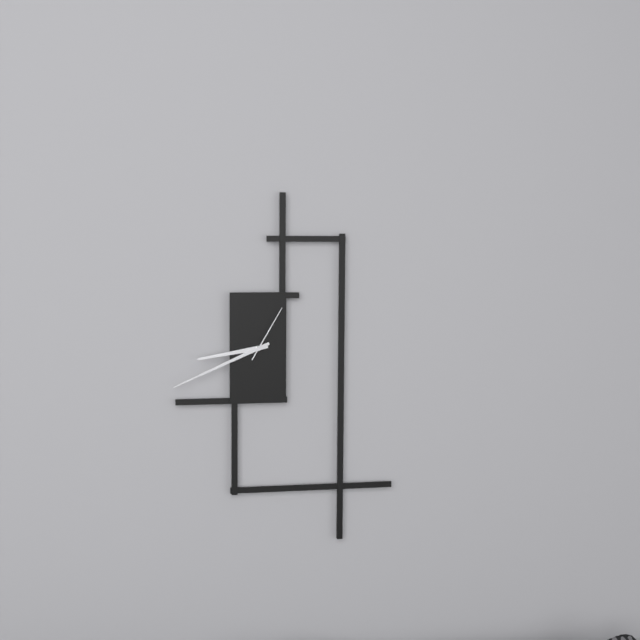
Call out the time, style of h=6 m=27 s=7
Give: h=8 m=41 s=5
